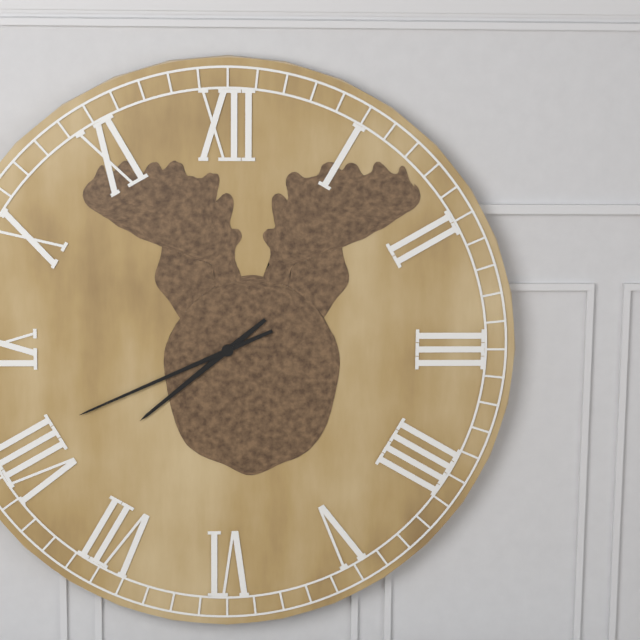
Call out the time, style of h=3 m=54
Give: h=7 m=41
